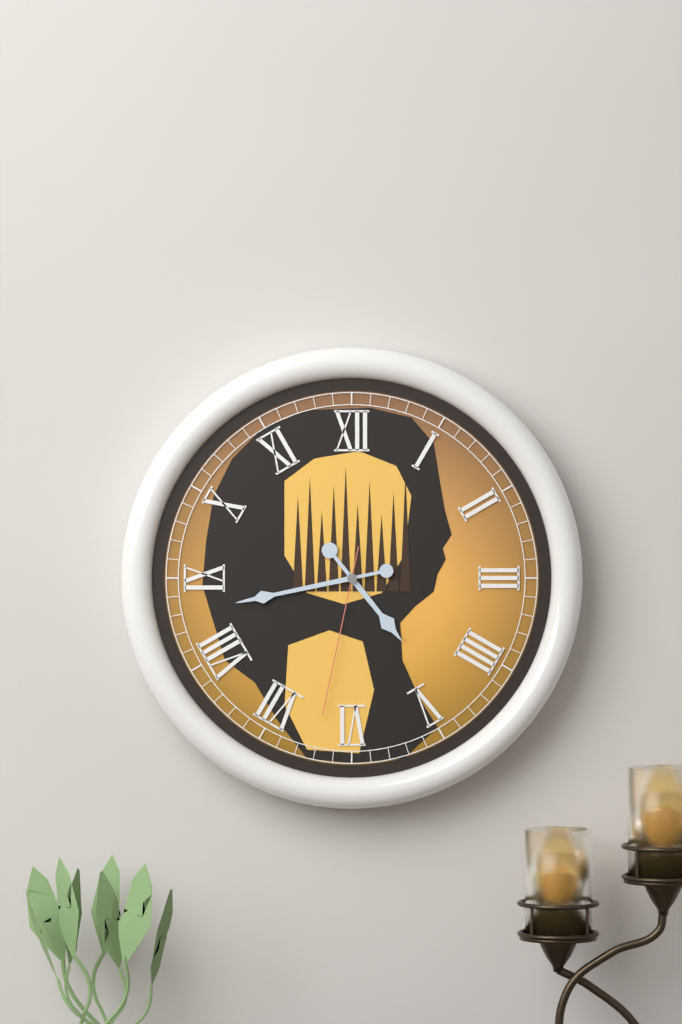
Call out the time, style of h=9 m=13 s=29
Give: h=4 m=43 s=32
